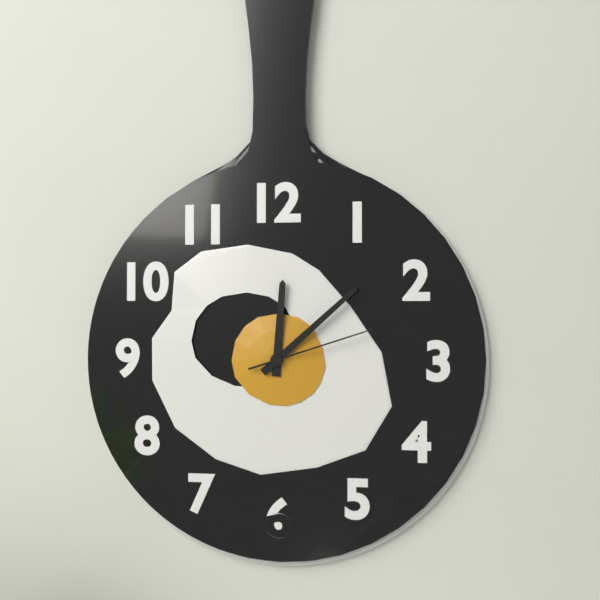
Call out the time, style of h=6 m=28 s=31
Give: h=12 m=8 s=12
